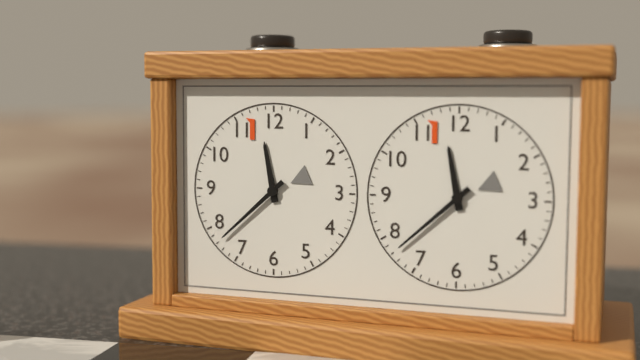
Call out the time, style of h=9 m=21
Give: h=11 m=38
